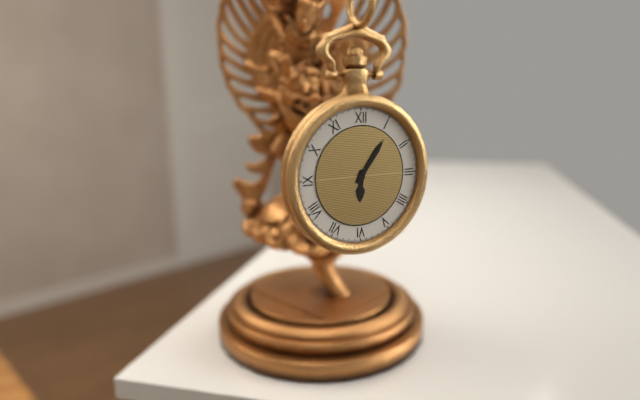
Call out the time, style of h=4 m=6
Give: h=6 m=6
